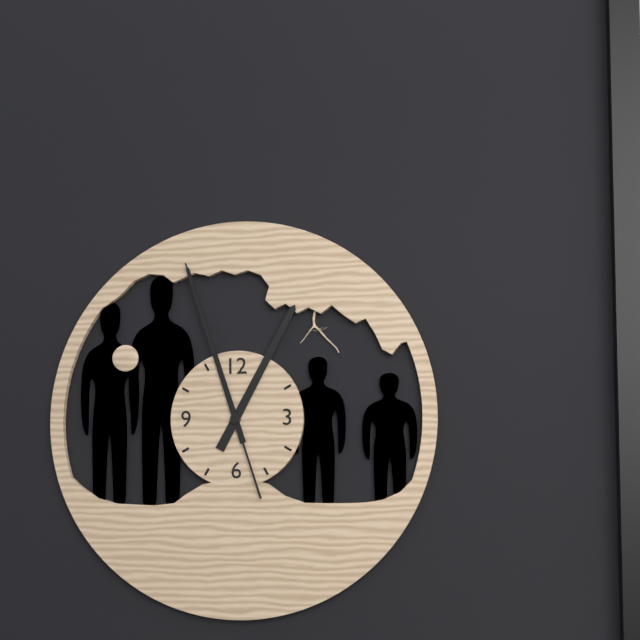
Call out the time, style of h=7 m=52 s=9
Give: h=12 m=57 s=57
